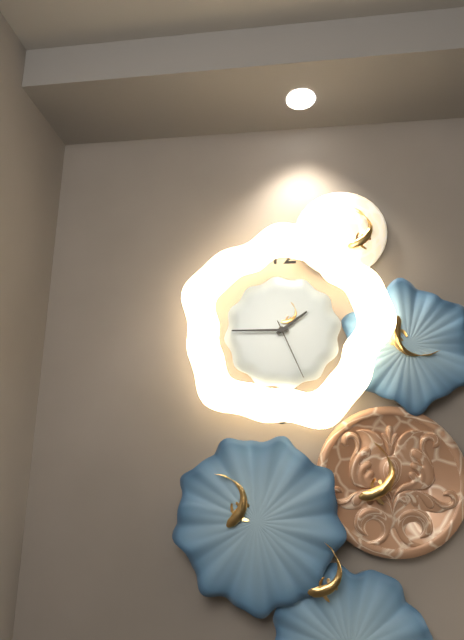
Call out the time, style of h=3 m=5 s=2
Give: h=1 m=45 s=26
